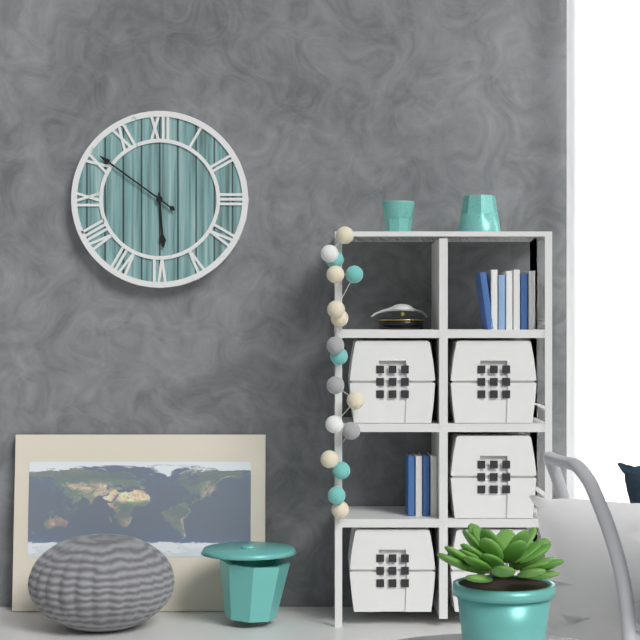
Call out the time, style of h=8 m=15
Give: h=5 m=51
